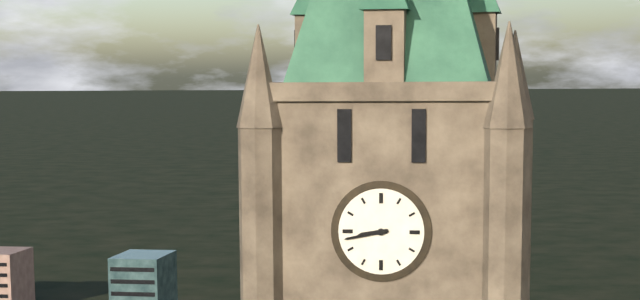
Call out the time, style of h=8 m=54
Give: h=8 m=43
